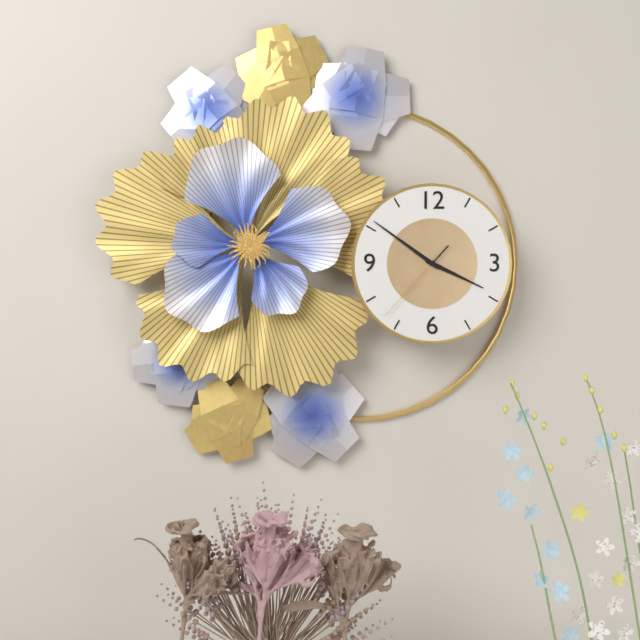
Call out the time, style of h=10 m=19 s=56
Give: h=3 m=51 s=37
